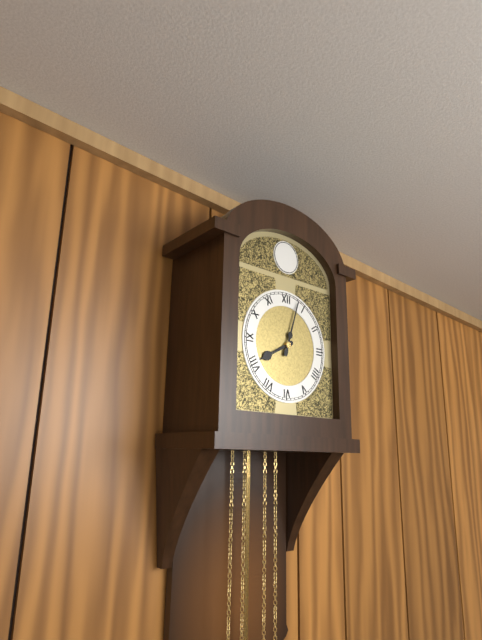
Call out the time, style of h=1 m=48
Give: h=8 m=3
